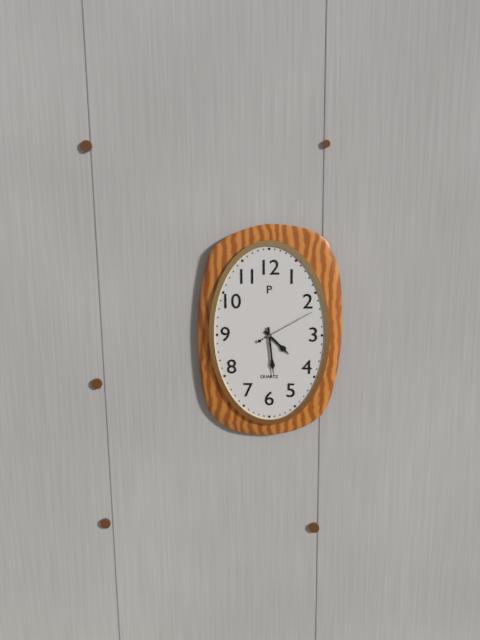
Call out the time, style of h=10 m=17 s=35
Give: h=4 m=29 s=10
